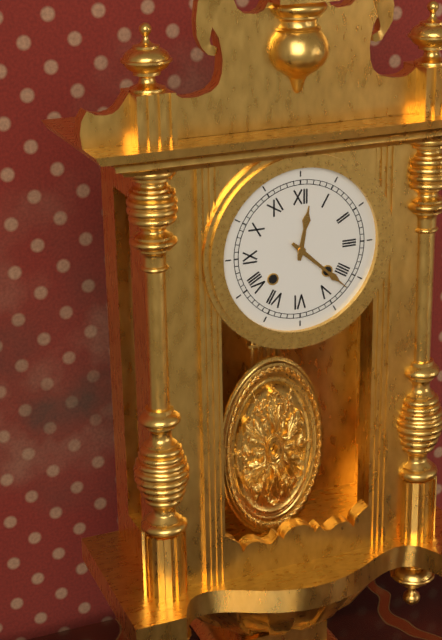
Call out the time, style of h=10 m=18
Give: h=12 m=22
